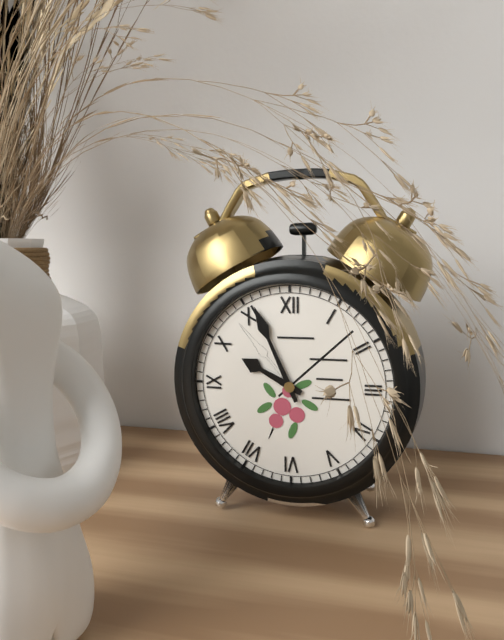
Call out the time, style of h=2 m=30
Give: h=9 m=56
